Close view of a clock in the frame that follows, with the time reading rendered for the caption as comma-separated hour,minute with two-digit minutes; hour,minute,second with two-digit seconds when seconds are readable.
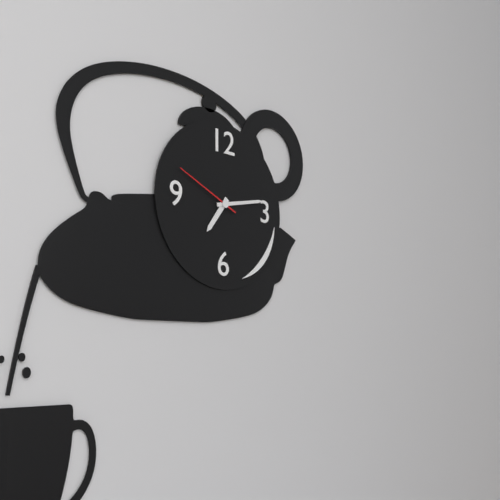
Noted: 7,13,49
